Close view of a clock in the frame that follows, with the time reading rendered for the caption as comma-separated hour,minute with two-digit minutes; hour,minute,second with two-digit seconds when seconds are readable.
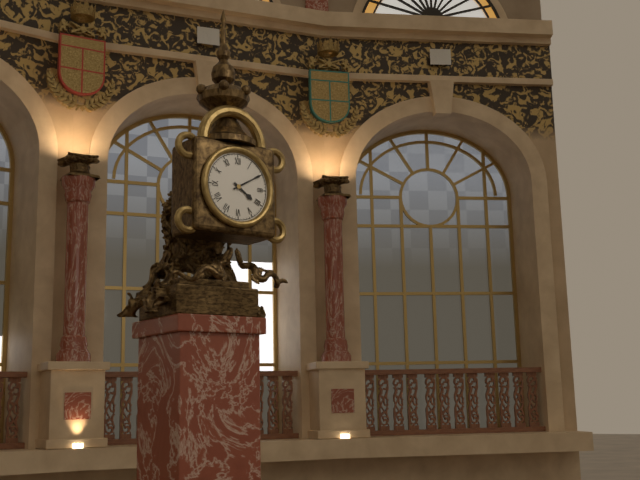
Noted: 4,10
